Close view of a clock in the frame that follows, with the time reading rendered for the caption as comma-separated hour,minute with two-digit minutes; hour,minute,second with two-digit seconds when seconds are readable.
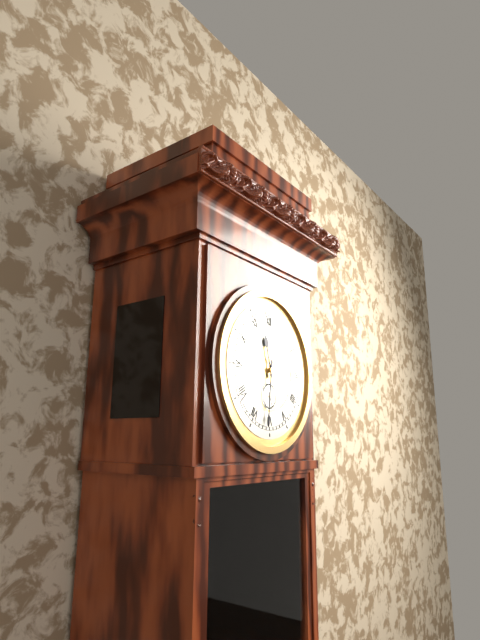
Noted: 11,31
